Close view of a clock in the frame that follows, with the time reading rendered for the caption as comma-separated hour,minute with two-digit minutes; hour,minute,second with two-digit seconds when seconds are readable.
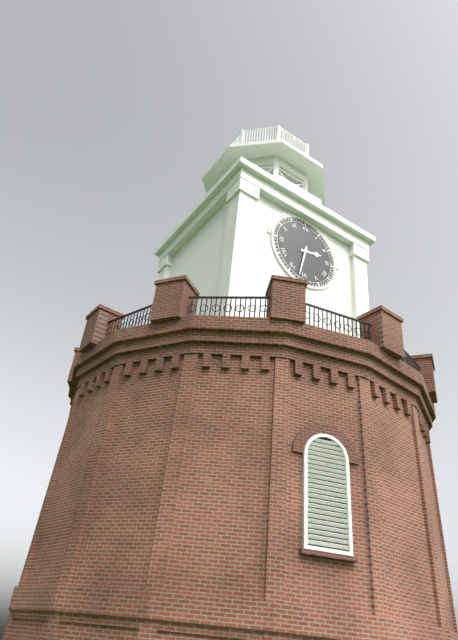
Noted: 2,32
